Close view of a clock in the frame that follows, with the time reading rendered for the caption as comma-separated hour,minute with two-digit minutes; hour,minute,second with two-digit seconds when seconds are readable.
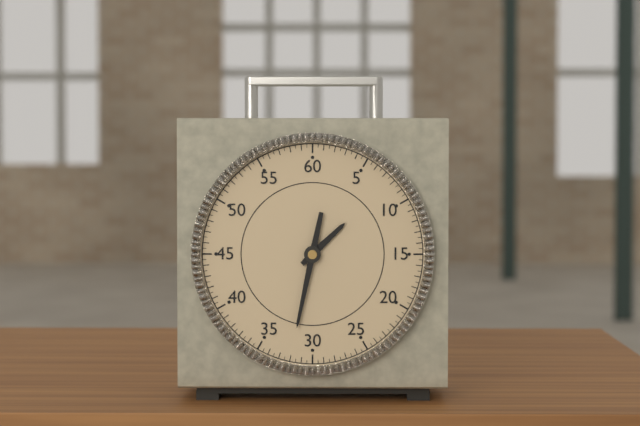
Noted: 1,32
